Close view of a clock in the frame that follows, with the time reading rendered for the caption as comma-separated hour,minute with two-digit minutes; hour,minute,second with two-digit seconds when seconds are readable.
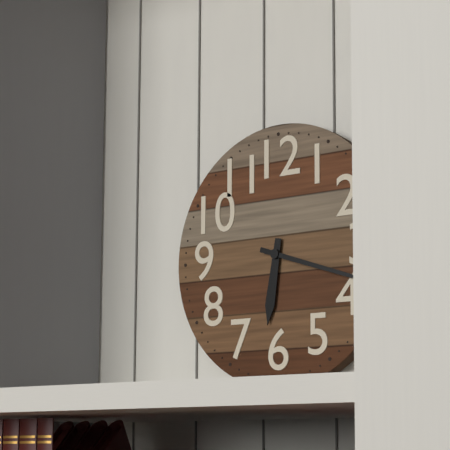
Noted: 6,18
